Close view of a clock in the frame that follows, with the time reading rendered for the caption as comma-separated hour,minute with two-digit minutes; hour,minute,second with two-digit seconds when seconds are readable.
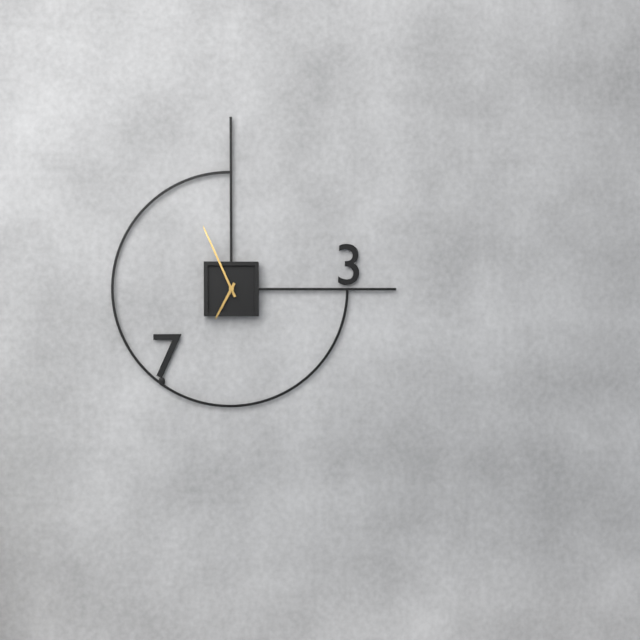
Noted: 6,56
